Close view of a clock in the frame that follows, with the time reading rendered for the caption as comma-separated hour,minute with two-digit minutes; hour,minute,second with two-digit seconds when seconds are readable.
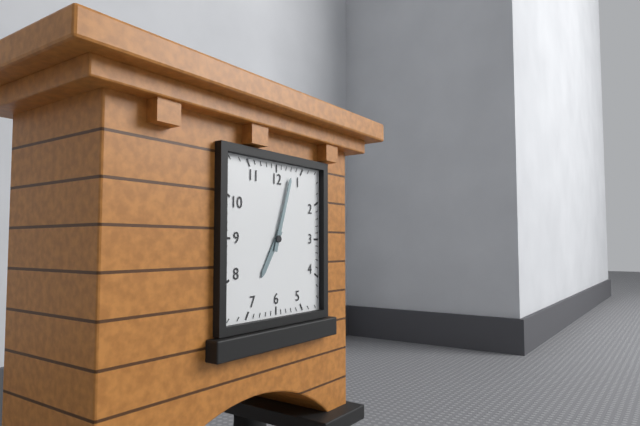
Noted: 7,03
